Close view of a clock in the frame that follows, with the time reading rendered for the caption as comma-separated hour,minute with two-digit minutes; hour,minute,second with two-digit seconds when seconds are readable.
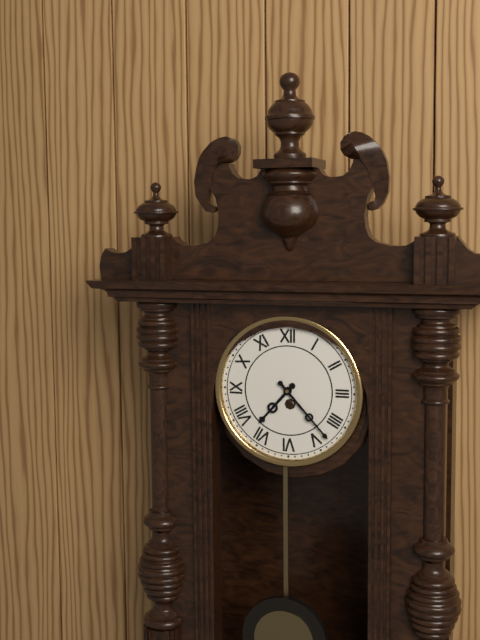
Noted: 7,23
